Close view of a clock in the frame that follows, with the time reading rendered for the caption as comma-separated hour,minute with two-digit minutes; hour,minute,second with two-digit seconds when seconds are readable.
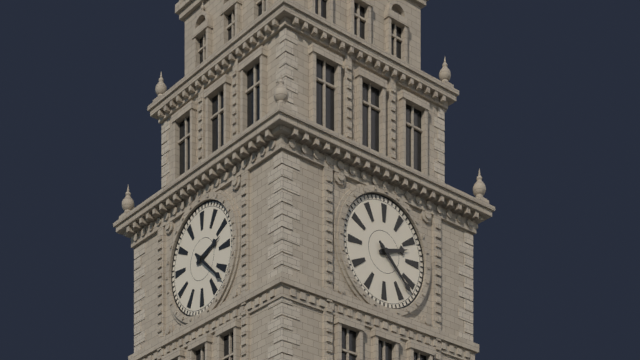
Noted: 2,22
